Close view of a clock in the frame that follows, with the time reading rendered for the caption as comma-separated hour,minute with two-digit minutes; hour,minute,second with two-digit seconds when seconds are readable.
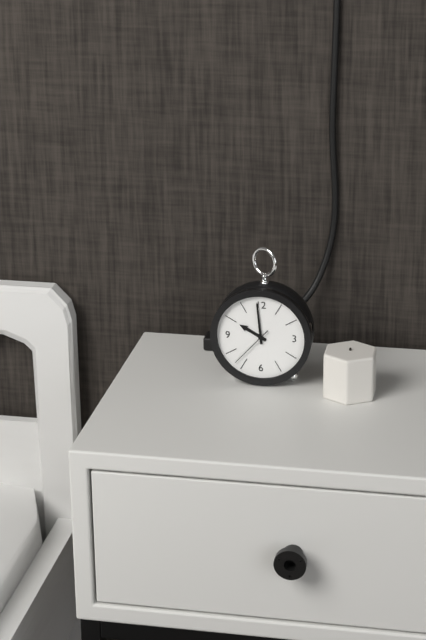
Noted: 9,59
